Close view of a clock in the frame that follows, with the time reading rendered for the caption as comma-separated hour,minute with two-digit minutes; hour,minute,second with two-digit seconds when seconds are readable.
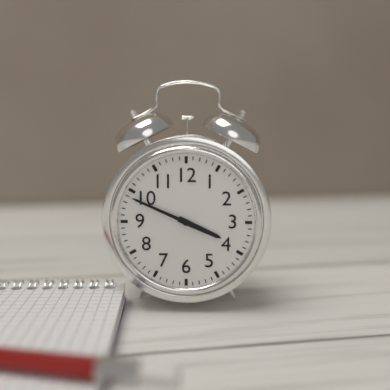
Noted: 3,49
